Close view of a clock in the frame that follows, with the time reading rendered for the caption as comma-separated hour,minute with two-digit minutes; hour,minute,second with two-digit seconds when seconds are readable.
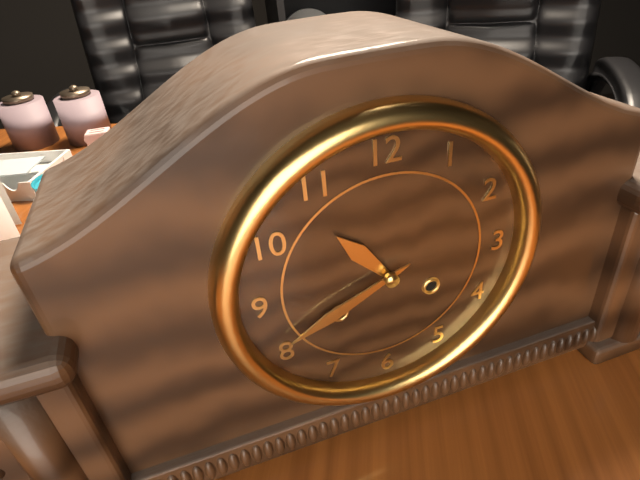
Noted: 10,41
